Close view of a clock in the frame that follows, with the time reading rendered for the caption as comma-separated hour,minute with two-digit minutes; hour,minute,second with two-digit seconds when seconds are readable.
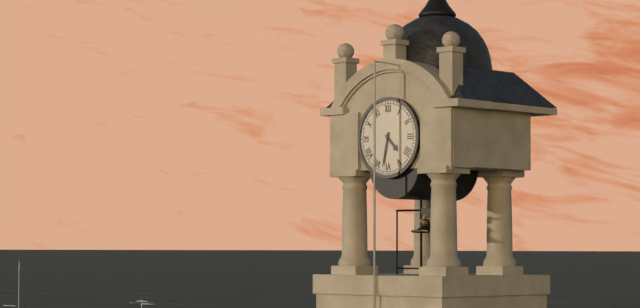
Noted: 4,32
